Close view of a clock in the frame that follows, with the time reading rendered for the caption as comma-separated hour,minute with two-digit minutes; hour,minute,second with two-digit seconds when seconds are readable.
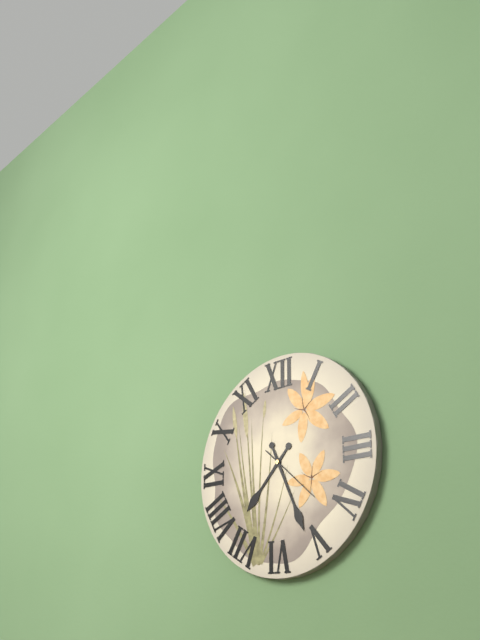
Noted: 7,26,22
